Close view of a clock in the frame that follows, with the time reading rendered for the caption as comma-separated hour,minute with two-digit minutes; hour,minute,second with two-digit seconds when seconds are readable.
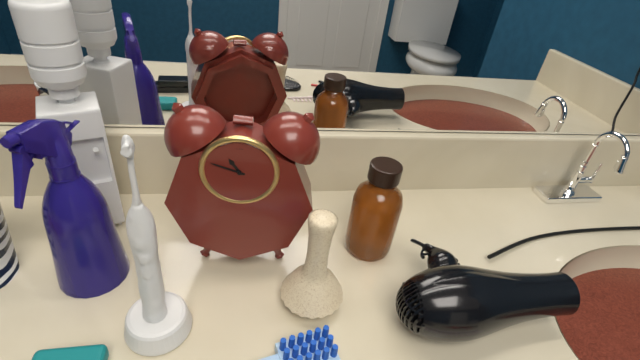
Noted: 10,48
